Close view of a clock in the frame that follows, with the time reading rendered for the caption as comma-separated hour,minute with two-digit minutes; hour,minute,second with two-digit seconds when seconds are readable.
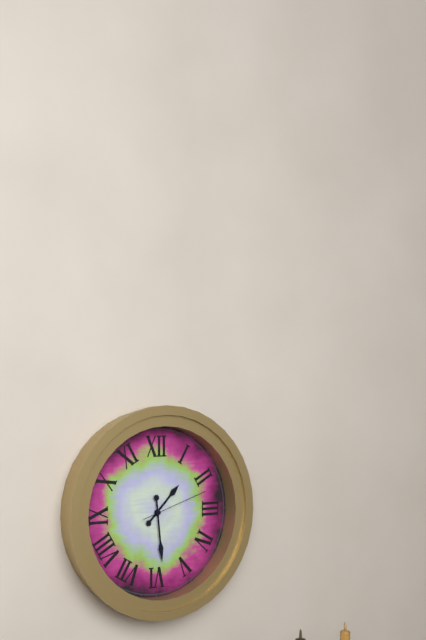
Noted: 1,29,12
